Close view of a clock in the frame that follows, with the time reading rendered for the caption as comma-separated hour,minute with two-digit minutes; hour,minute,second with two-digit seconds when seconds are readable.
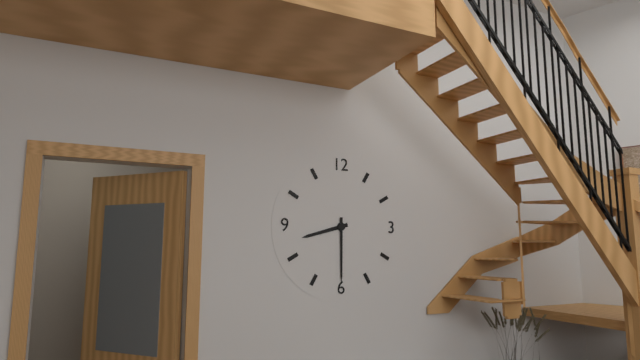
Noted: 8,30
